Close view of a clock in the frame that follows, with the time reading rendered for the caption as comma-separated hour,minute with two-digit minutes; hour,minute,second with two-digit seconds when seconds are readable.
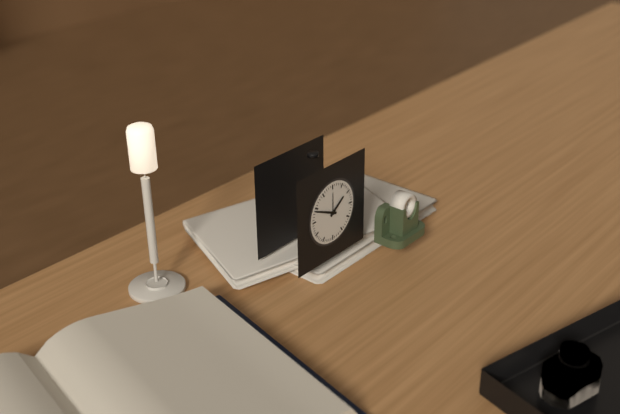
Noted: 1,49
